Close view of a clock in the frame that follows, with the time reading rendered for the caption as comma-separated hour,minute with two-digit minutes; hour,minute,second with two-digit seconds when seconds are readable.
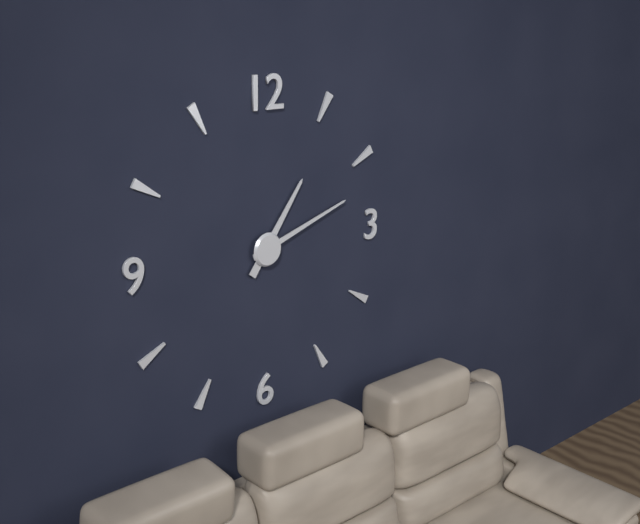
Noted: 1,12
